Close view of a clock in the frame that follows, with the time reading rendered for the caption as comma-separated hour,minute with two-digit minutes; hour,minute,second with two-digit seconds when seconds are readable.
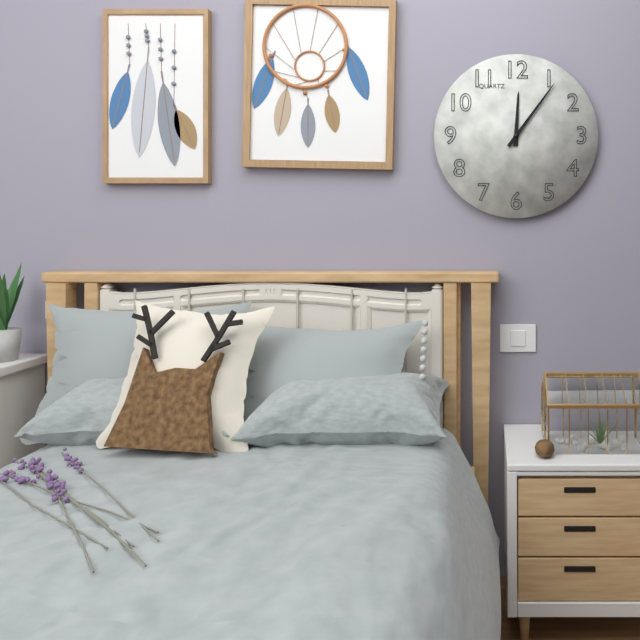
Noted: 12,06
